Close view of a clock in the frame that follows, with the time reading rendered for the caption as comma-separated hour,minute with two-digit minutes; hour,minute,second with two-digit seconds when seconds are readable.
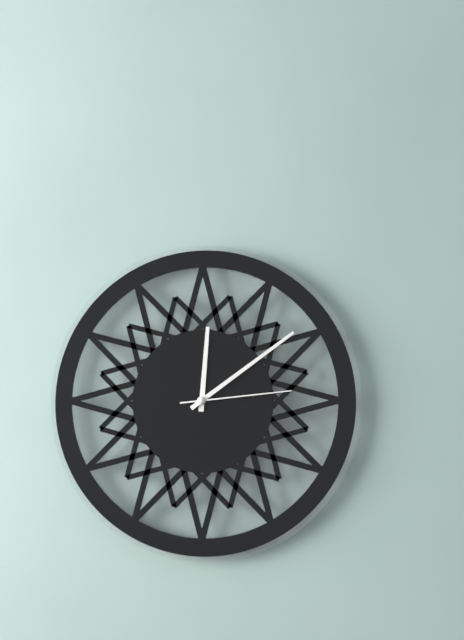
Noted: 12,09,14
